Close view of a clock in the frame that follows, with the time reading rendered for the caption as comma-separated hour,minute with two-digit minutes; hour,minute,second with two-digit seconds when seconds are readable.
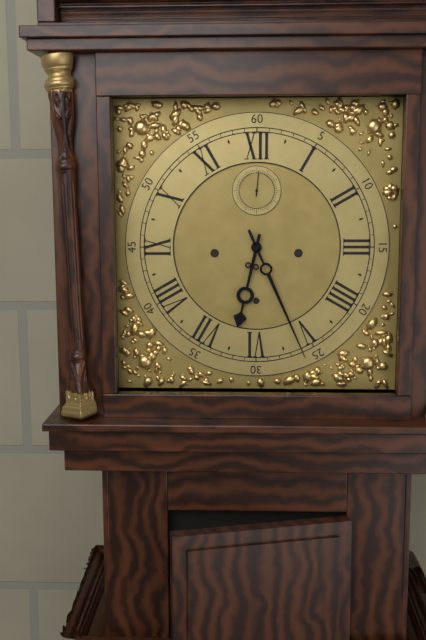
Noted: 6,26
